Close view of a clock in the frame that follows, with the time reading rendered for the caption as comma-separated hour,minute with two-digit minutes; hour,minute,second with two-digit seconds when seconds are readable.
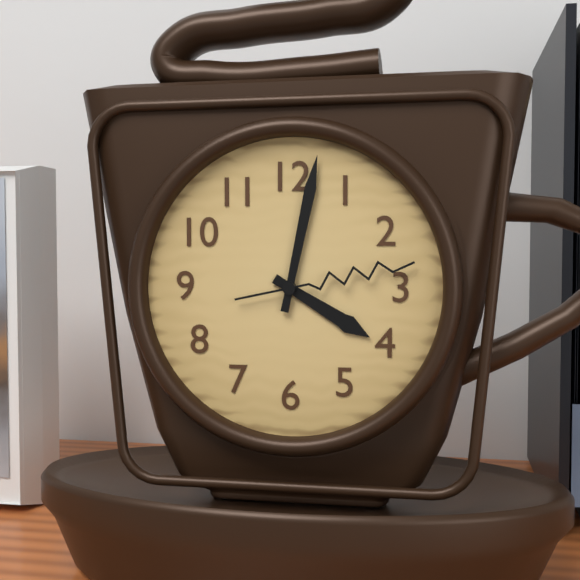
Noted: 4,02,13
